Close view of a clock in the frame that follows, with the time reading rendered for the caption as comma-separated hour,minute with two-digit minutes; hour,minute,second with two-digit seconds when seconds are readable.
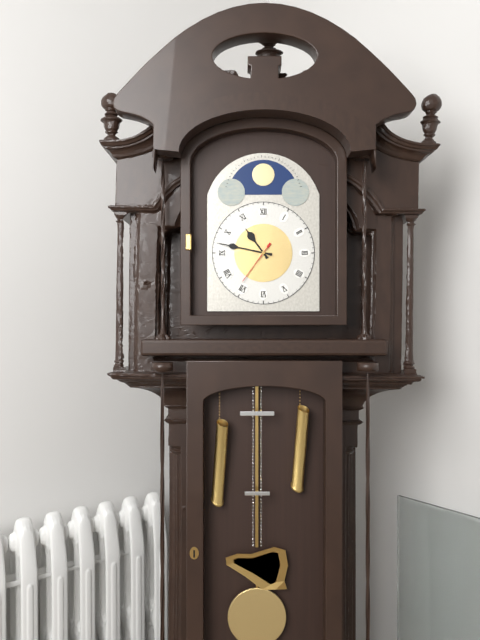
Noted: 10,47
